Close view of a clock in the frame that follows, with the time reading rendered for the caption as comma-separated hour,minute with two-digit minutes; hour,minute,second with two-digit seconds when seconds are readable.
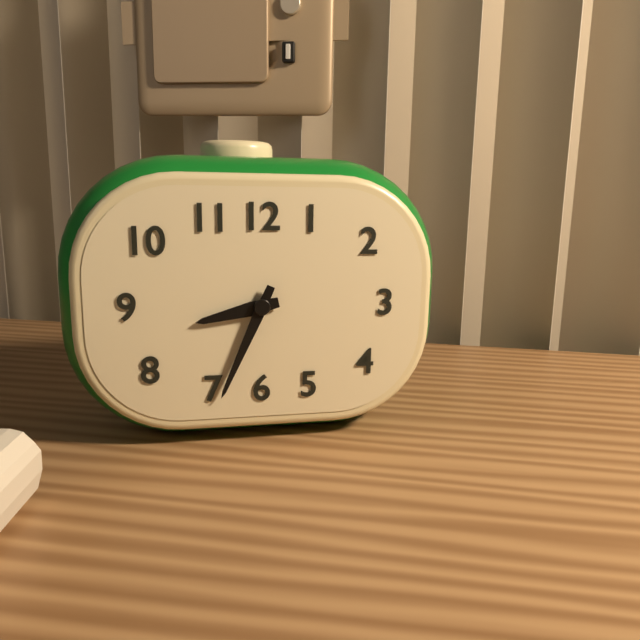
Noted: 8,34
